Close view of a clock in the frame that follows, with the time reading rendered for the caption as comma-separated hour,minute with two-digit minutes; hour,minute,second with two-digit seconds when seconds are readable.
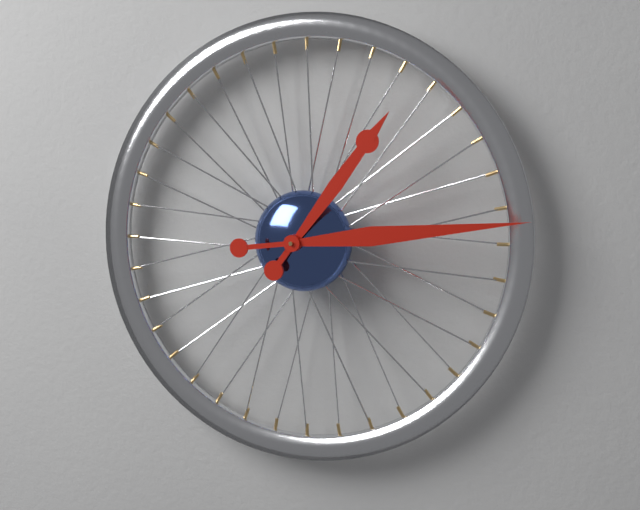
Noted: 1,14
